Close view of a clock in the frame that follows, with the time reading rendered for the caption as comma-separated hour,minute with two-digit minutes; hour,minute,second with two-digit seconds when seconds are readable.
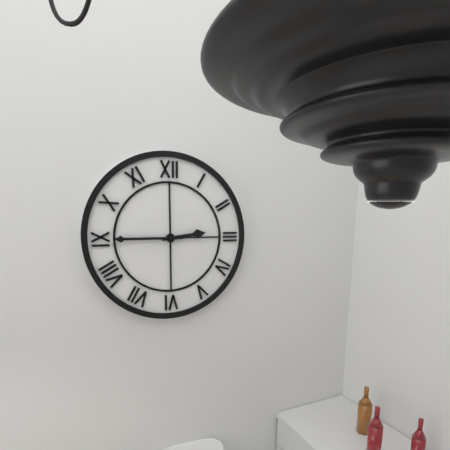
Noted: 2,45
